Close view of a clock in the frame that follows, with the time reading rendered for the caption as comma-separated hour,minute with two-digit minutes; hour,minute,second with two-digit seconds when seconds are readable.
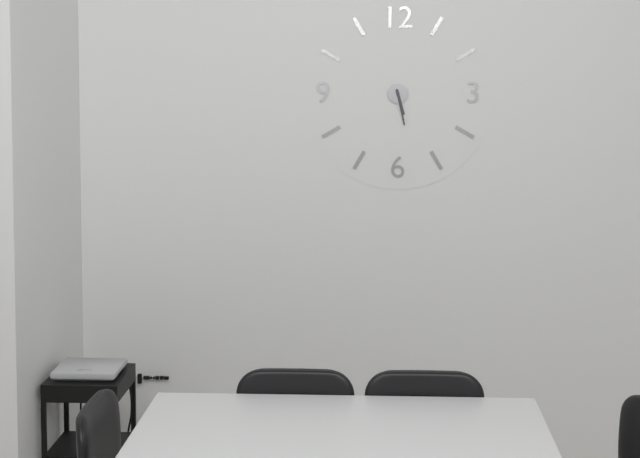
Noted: 5,28
